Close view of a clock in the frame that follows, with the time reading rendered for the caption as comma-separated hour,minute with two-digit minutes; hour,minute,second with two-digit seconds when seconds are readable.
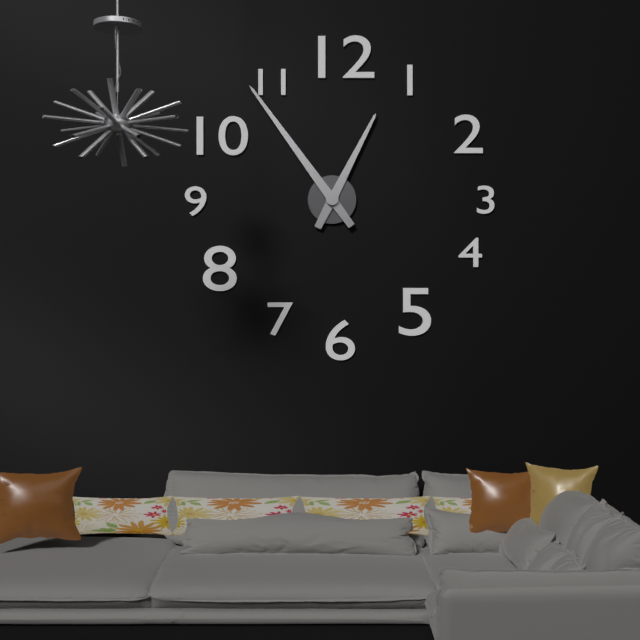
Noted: 12,54
